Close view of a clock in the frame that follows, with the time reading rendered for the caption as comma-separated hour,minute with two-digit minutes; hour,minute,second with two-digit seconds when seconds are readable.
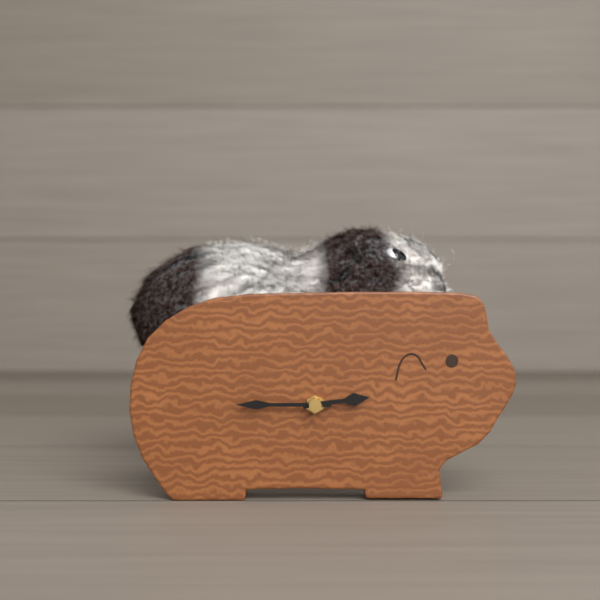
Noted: 2,45
